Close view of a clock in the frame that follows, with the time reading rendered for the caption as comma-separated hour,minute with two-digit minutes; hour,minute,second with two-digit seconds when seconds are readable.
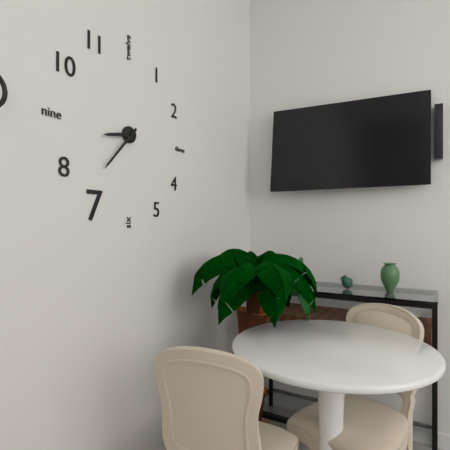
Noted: 8,37
